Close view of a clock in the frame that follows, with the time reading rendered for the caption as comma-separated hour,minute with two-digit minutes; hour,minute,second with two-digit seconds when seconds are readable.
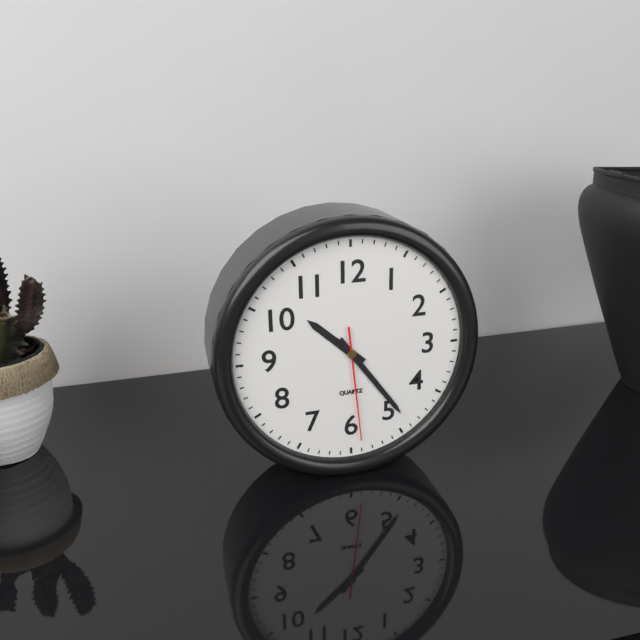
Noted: 10,24,29
